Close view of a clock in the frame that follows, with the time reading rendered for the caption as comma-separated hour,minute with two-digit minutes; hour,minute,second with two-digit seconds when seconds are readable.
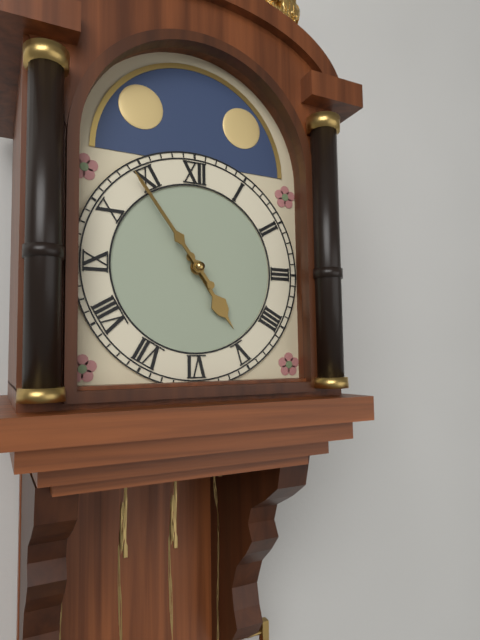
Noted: 4,54
